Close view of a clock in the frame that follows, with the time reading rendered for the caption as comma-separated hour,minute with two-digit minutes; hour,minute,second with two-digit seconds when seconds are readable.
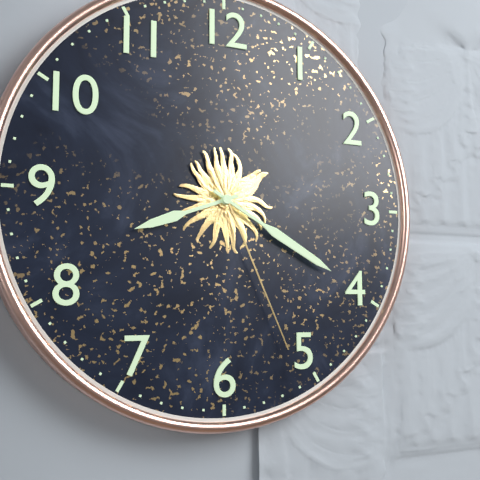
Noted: 8,20,26
